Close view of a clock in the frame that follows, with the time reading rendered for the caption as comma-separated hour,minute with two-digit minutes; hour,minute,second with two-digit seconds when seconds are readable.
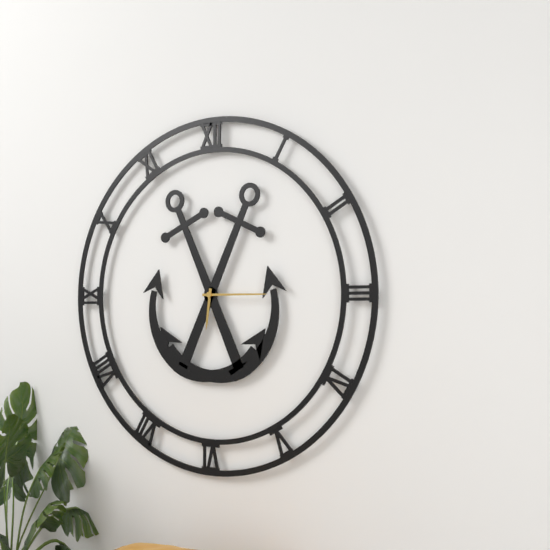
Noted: 6,15
